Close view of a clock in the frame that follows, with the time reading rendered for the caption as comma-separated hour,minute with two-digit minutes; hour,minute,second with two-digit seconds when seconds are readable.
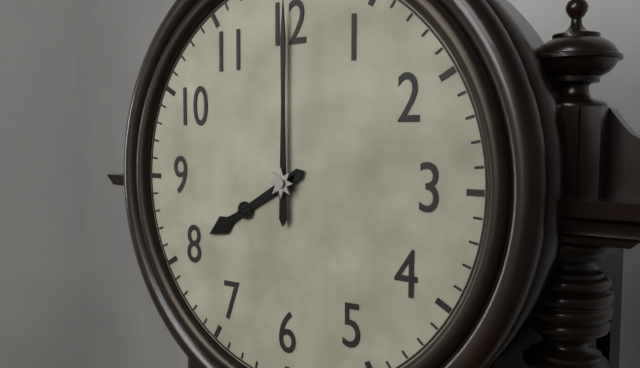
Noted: 8,00
